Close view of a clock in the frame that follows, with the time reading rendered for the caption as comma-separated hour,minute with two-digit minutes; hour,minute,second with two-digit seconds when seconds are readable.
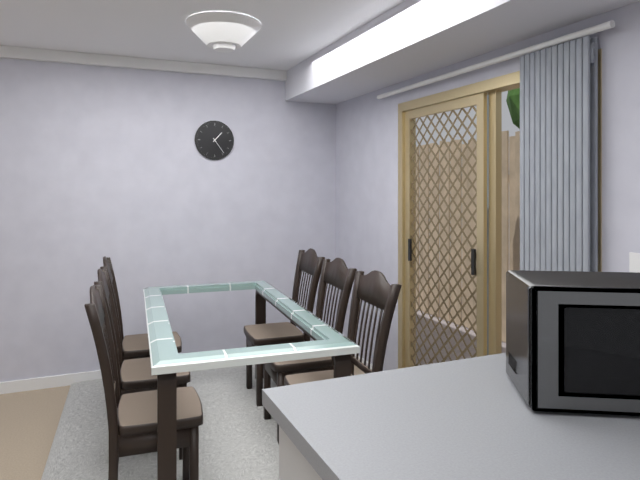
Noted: 1,24
